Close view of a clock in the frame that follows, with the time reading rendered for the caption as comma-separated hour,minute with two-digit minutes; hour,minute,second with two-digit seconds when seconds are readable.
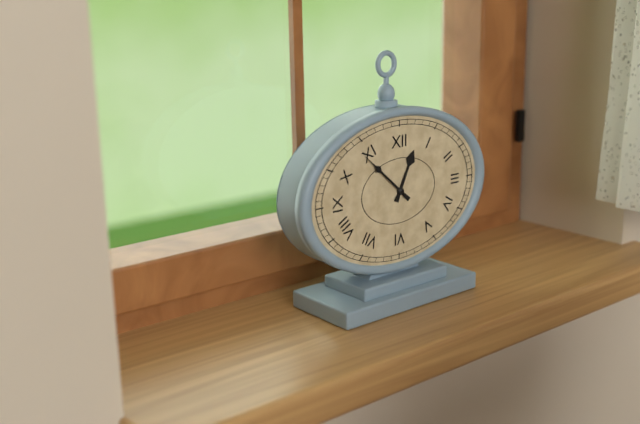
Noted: 12,52
